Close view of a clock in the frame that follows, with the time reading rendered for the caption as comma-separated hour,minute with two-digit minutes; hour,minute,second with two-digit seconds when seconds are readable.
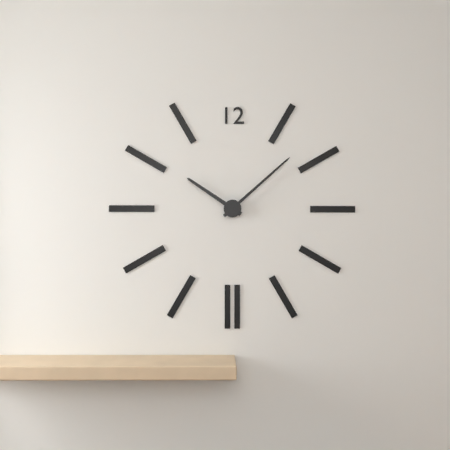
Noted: 10,08
